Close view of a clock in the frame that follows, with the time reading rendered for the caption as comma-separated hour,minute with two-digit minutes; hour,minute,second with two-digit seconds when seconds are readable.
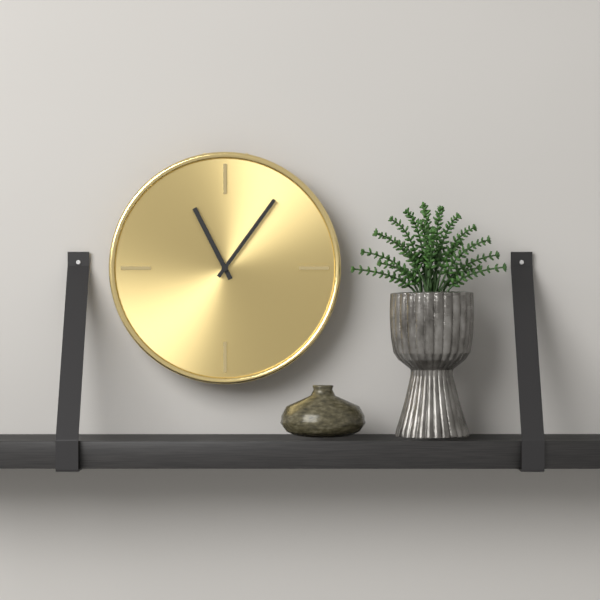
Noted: 11,06
